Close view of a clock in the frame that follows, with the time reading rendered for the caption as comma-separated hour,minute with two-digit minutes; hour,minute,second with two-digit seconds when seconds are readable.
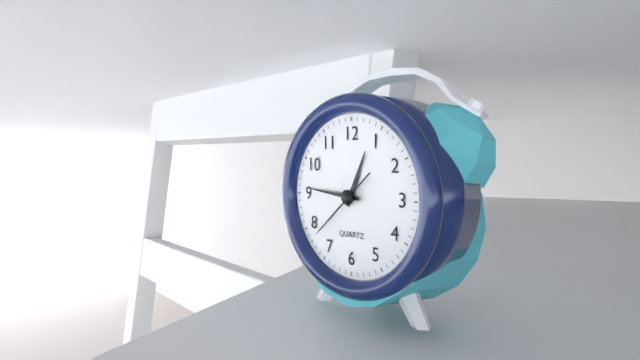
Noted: 12,46,38
